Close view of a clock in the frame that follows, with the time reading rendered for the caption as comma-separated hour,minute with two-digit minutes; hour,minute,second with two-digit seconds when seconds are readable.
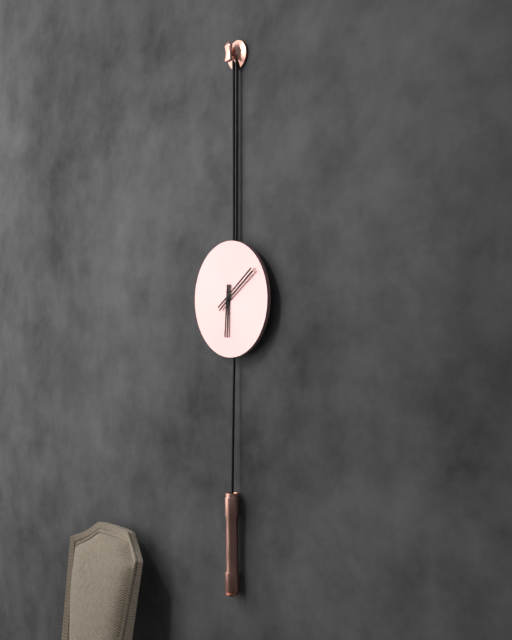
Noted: 6,09
